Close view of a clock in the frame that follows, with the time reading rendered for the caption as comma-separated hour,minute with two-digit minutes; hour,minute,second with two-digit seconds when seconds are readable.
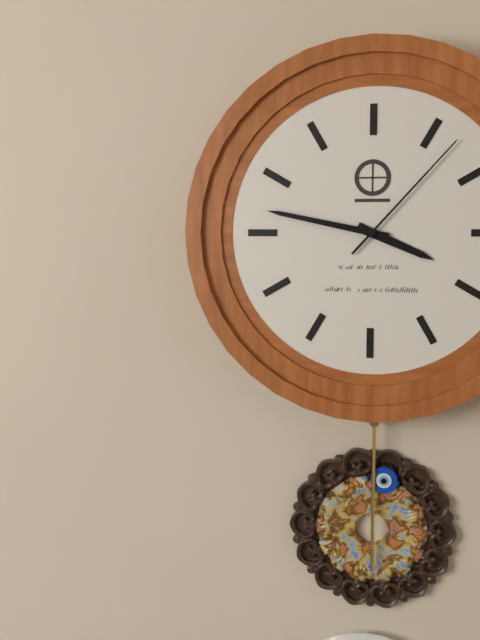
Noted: 3,47,07
